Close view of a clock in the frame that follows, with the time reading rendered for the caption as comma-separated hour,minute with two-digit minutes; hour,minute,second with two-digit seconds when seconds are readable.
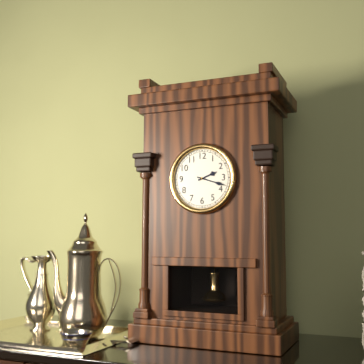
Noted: 2,18
